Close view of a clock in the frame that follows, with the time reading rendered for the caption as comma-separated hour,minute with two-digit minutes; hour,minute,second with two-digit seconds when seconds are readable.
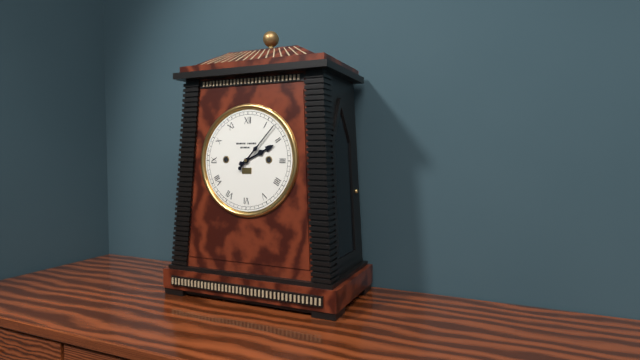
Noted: 2,07
